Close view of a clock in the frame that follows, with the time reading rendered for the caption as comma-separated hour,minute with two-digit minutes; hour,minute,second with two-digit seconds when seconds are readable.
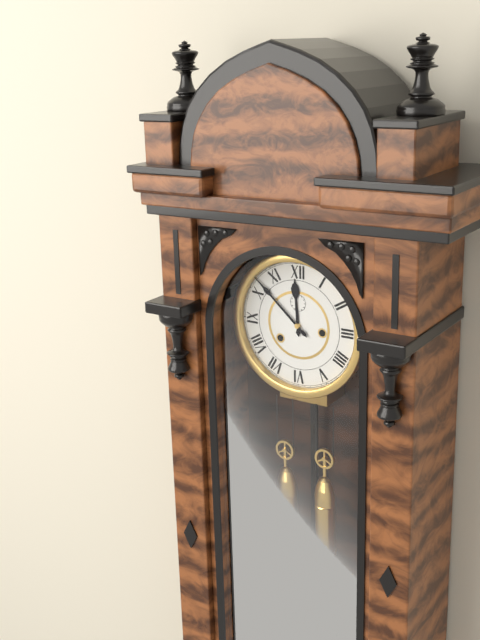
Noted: 11,52
